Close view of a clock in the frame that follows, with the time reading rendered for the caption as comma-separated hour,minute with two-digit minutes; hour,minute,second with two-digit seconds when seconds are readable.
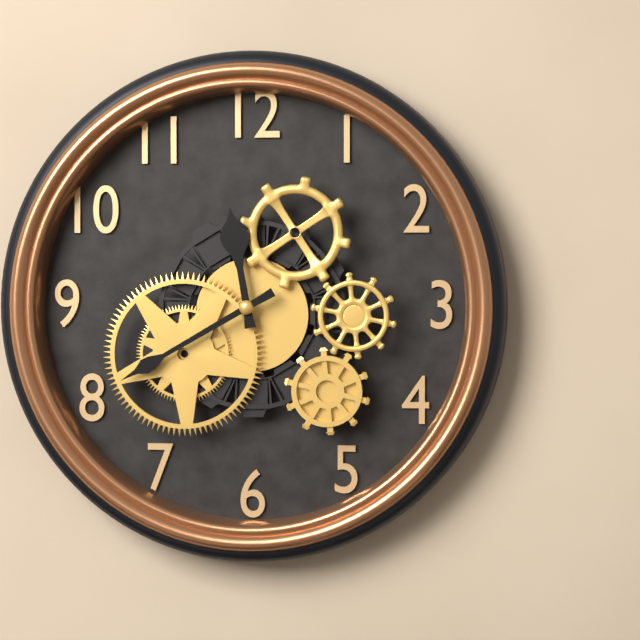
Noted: 11,40
